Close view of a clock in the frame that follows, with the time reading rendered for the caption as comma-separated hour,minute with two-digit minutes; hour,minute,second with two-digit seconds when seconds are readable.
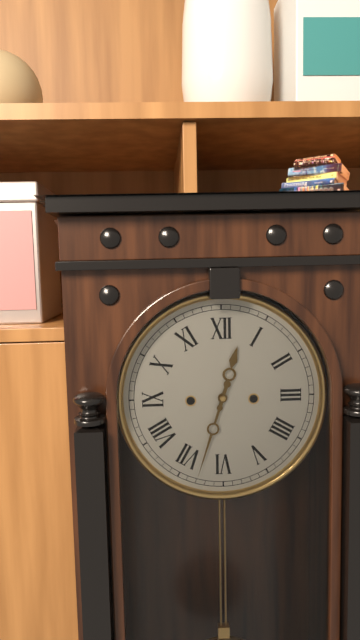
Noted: 12,33
